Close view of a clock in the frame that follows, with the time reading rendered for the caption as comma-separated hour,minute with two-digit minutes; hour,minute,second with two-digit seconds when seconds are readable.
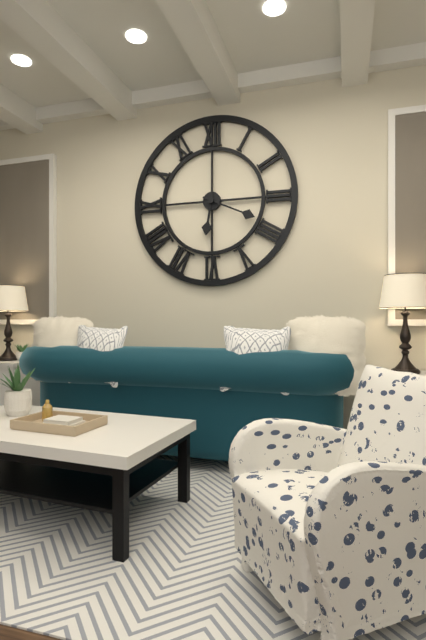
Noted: 6,19
